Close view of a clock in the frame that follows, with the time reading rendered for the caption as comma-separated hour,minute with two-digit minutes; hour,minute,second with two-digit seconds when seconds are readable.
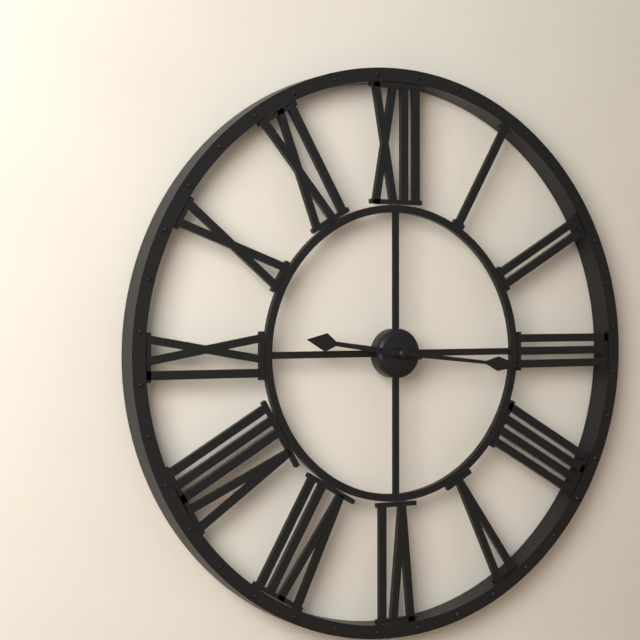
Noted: 9,16
